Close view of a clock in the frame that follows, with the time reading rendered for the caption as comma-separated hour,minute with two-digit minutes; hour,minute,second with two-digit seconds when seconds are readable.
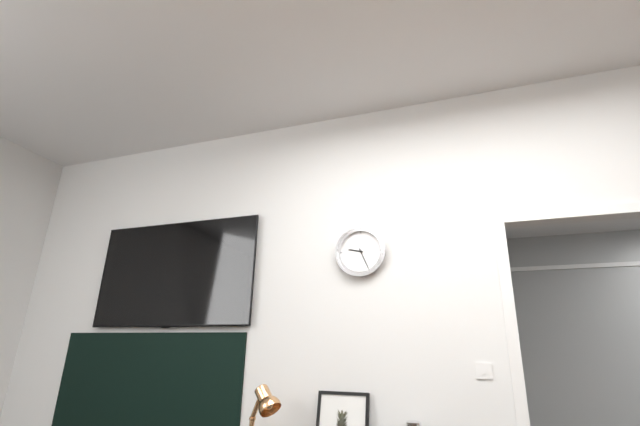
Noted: 9,26
